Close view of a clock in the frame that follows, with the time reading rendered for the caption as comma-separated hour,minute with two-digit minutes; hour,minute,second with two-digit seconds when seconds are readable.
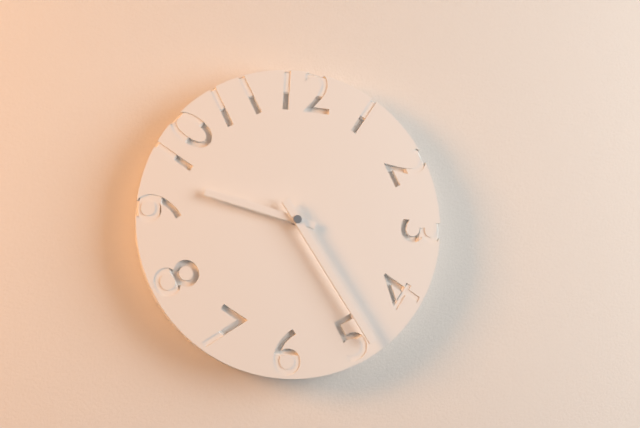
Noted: 9,24
